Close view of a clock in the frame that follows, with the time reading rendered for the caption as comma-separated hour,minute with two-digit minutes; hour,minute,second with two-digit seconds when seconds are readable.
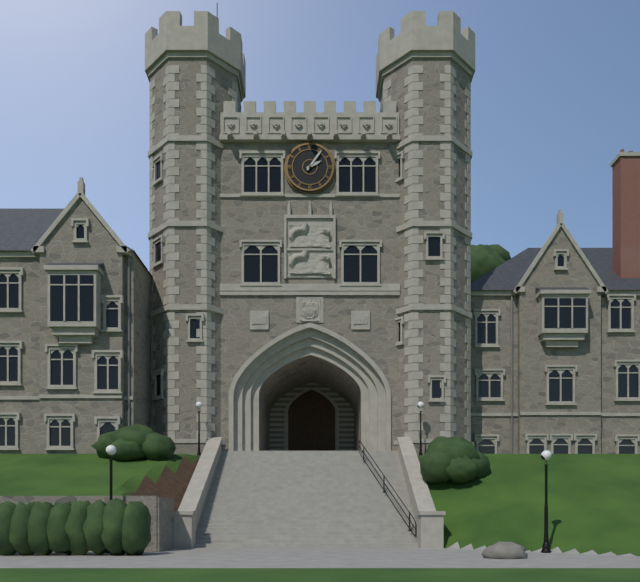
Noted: 2,06
